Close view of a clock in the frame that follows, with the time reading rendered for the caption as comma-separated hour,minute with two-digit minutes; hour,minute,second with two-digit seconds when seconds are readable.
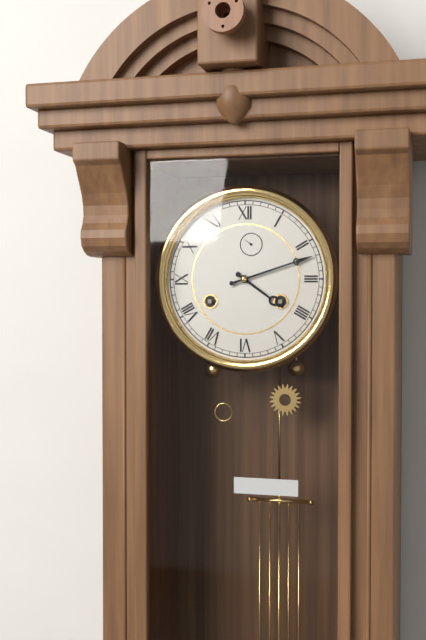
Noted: 4,12
